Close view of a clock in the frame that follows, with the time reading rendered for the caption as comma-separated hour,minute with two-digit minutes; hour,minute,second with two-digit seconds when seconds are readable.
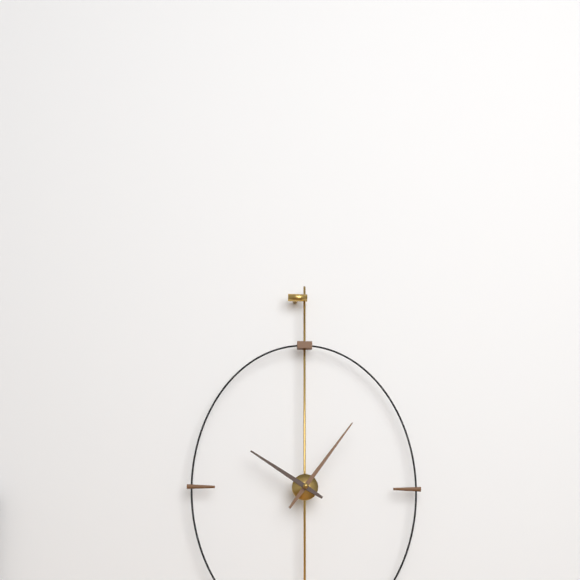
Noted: 10,06
